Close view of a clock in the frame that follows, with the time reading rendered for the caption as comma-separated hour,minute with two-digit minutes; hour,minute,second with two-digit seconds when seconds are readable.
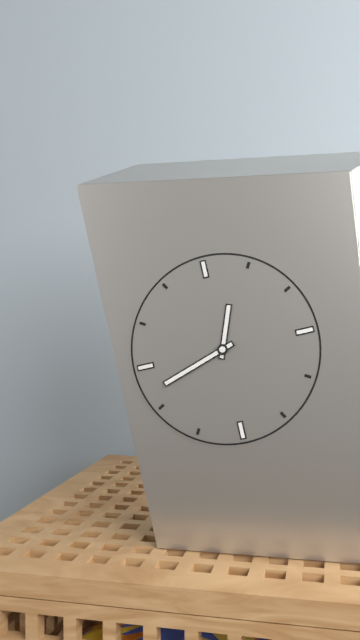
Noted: 12,42
